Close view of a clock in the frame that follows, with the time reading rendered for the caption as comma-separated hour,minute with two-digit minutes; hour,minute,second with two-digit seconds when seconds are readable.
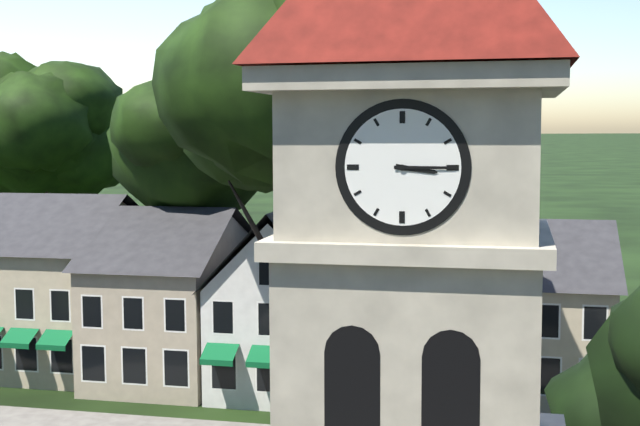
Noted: 3,15
